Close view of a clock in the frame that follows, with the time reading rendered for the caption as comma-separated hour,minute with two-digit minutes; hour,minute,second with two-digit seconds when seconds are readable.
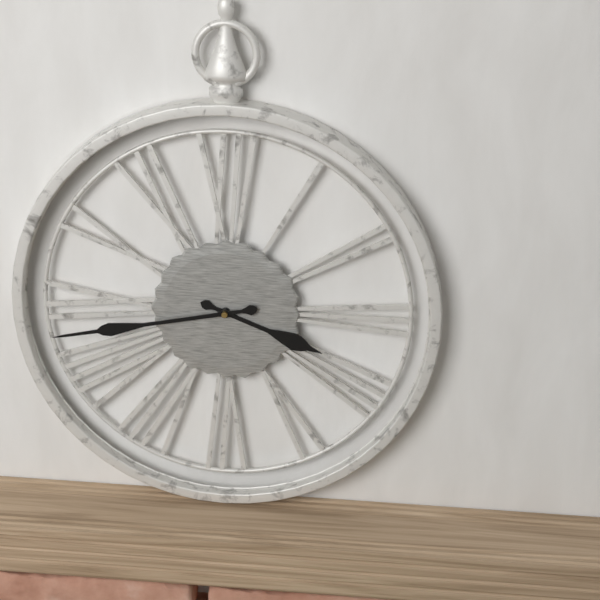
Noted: 3,43
